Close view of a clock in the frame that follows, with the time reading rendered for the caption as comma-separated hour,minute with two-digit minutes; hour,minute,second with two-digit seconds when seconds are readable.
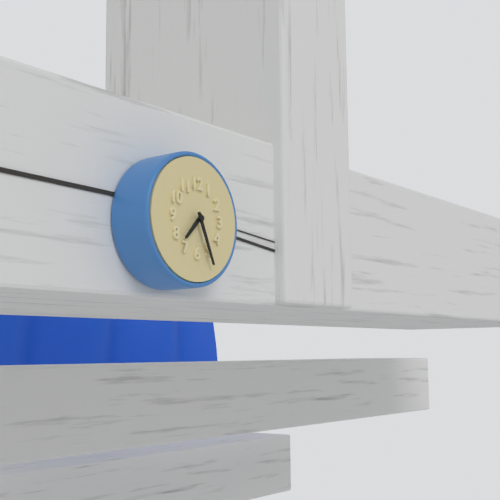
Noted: 7,26
